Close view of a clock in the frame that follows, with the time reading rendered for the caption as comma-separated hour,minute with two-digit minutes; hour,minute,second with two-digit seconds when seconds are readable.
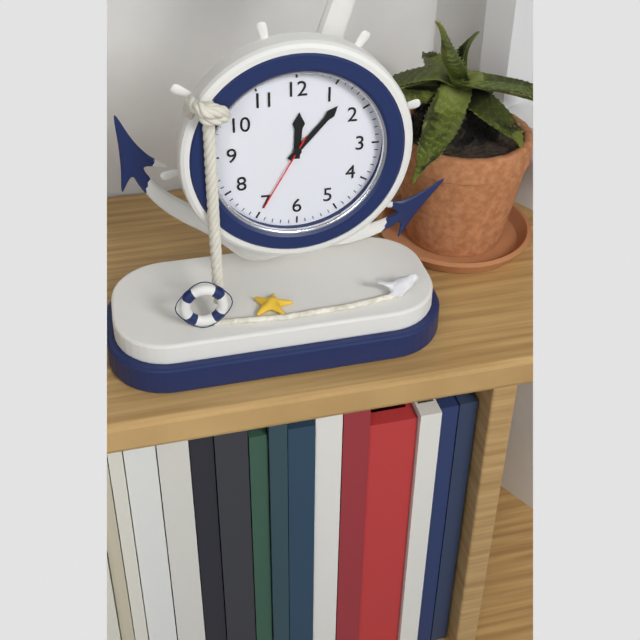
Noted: 12,07,35
